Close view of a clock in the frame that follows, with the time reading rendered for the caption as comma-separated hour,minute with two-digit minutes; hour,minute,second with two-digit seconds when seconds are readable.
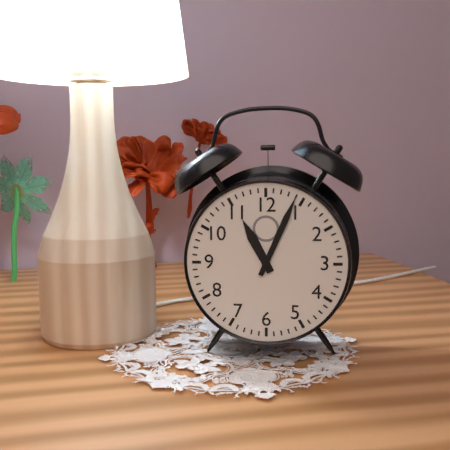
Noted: 11,04
